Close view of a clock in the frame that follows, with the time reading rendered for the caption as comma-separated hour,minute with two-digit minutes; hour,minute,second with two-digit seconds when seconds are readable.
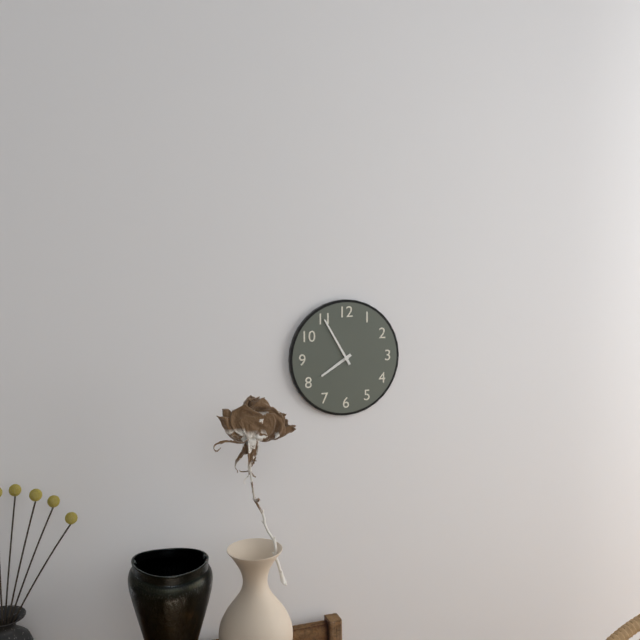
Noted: 7,55
